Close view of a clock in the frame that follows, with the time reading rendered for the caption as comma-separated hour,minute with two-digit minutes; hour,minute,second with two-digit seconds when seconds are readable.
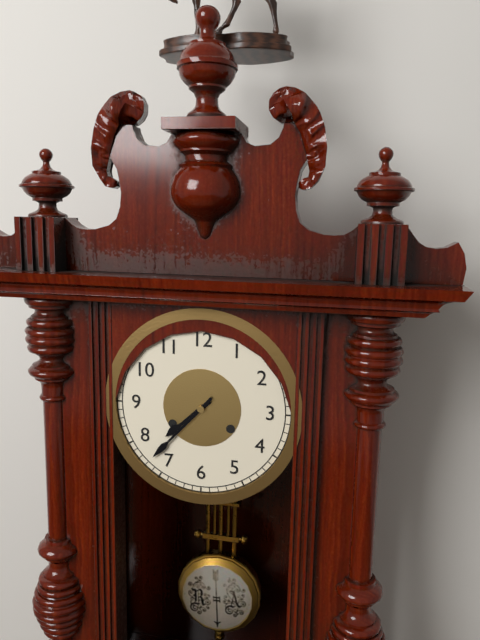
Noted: 7,37
